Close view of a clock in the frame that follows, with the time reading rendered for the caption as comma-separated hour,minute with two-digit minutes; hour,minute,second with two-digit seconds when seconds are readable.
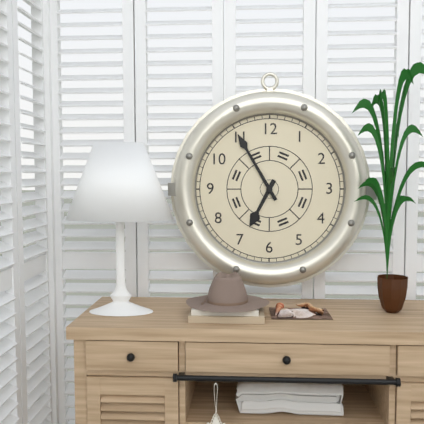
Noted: 6,55
